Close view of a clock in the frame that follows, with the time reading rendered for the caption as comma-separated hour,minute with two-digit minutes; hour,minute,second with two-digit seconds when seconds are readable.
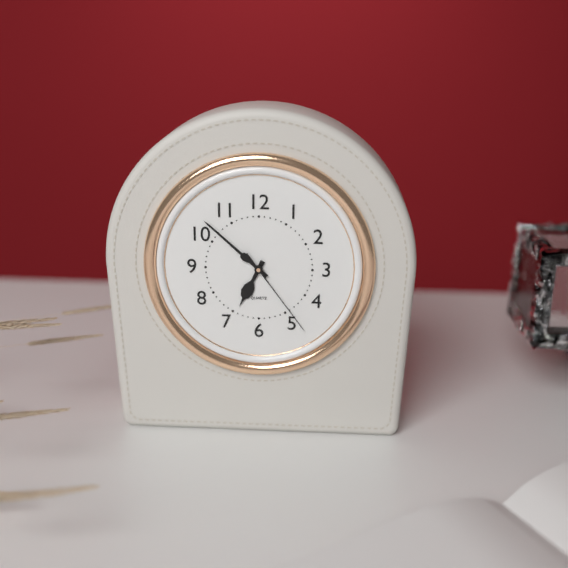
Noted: 6,52,24
